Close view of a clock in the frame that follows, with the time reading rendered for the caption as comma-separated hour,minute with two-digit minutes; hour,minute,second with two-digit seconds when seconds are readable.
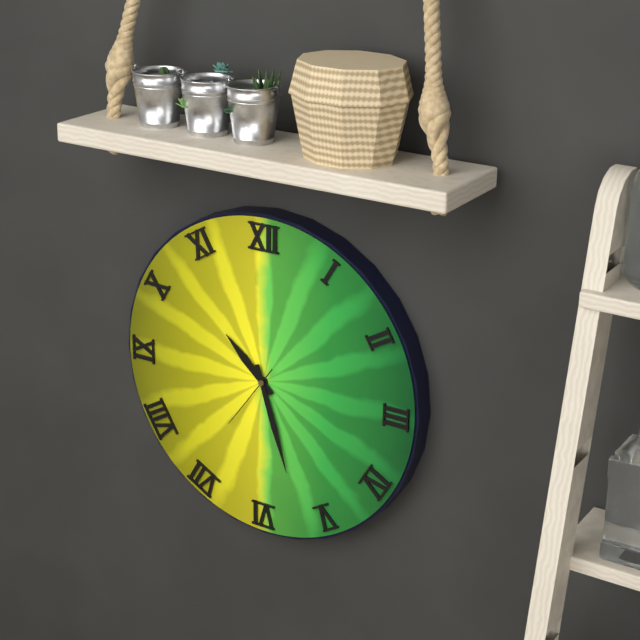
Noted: 10,27,36
